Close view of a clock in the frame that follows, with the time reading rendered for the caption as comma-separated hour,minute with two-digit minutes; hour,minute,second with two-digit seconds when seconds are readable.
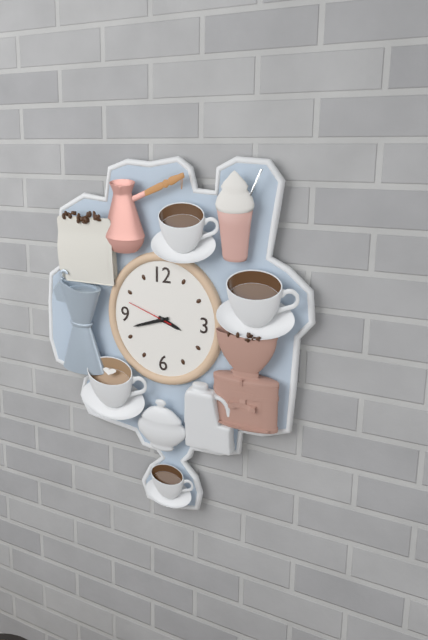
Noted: 3,42
